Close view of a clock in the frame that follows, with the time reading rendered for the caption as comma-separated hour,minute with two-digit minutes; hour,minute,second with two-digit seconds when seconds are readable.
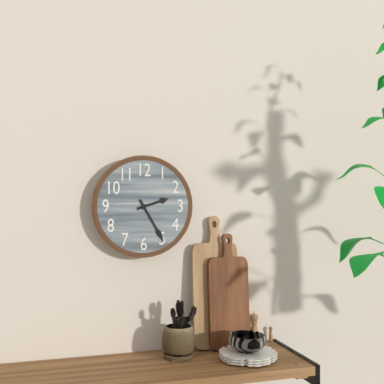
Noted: 2,25
